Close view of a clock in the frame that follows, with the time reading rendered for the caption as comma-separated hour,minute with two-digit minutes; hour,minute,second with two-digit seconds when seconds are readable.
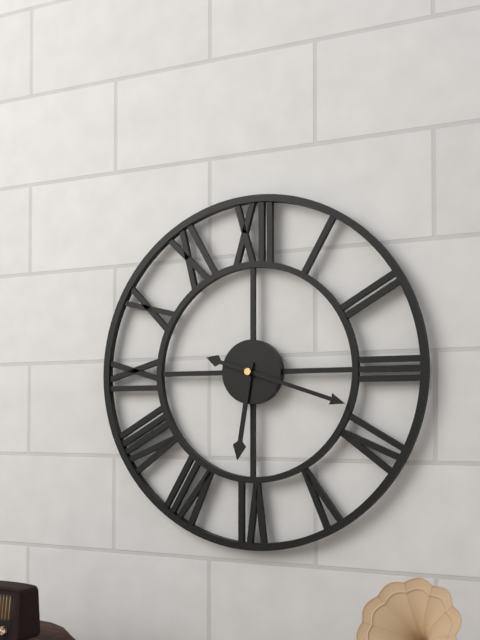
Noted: 6,18
